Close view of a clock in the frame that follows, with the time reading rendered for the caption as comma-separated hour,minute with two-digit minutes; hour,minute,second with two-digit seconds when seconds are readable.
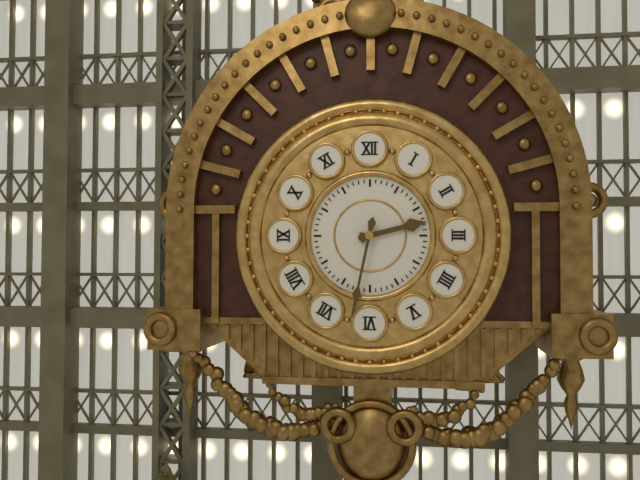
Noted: 2,32
